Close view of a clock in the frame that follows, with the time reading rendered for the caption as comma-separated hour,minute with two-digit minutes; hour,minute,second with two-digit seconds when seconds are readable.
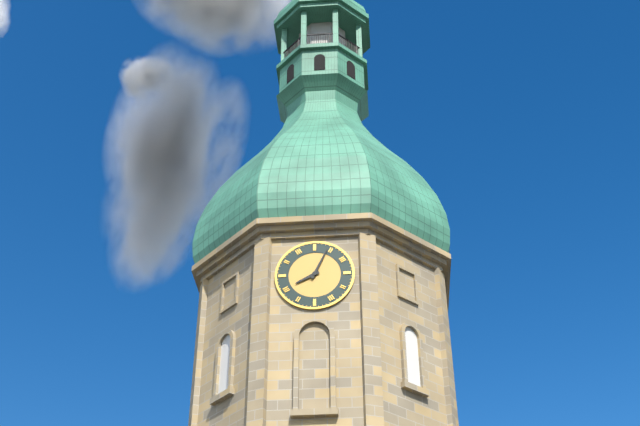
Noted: 8,04
